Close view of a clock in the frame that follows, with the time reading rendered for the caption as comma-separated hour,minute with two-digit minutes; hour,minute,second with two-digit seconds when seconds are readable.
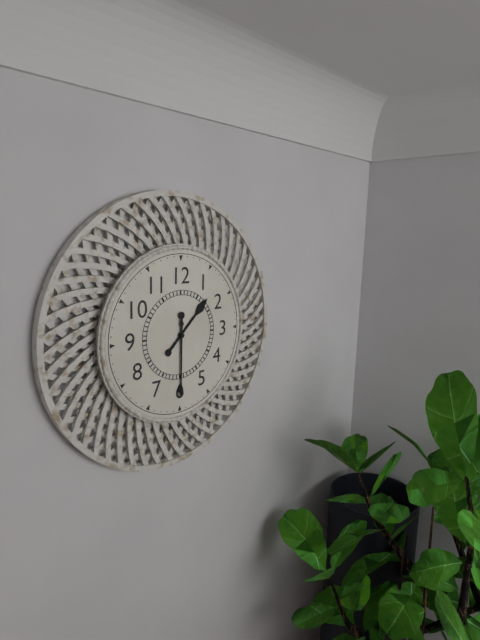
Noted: 1,30
